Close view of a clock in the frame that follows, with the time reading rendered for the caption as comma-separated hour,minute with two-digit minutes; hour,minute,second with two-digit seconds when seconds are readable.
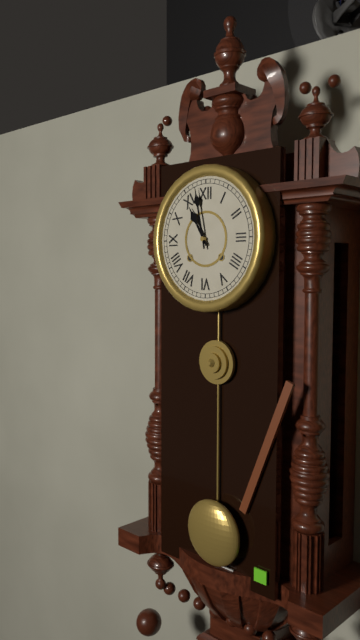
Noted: 10,58
